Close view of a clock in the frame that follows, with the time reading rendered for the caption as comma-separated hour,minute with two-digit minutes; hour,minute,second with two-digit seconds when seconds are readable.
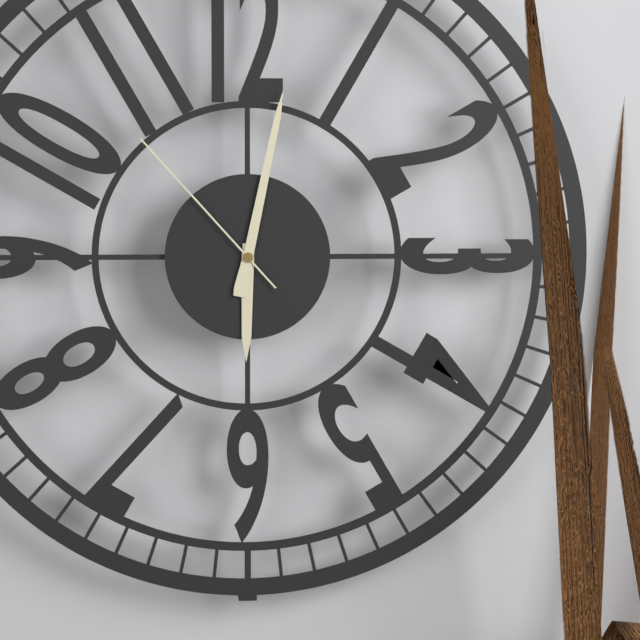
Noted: 6,02,53
